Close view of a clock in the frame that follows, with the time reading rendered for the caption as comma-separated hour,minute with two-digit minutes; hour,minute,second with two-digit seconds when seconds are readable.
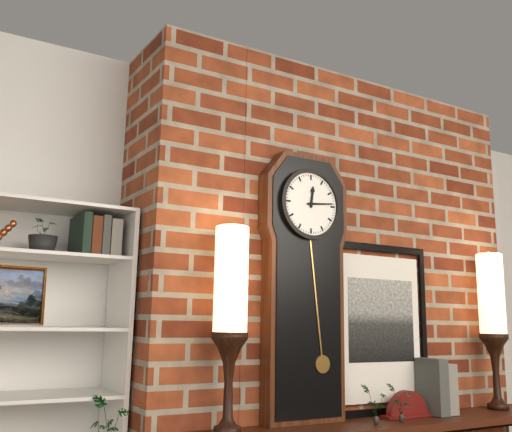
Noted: 12,14
